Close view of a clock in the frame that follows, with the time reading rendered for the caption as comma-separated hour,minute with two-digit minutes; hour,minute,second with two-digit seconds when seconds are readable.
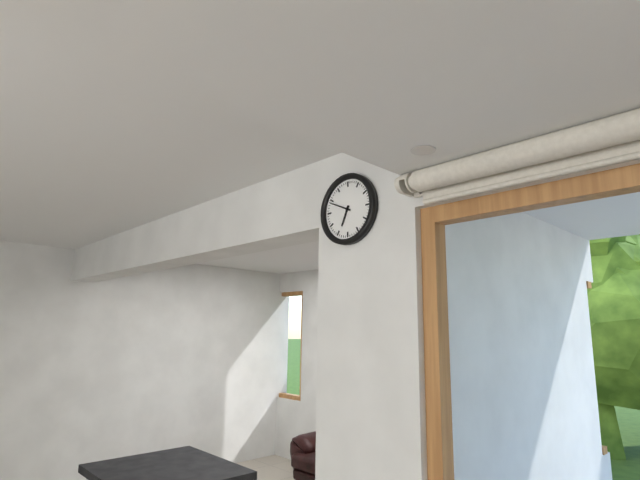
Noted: 6,49
